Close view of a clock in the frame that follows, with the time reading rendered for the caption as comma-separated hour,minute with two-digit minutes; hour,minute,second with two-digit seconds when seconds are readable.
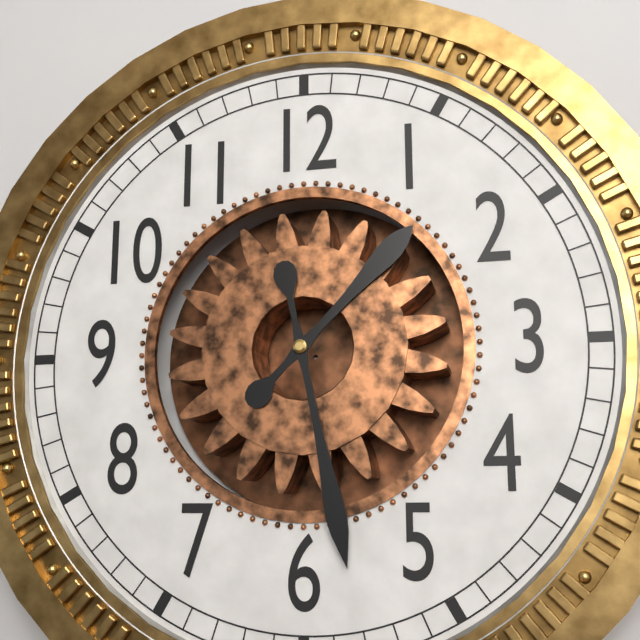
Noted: 1,28
